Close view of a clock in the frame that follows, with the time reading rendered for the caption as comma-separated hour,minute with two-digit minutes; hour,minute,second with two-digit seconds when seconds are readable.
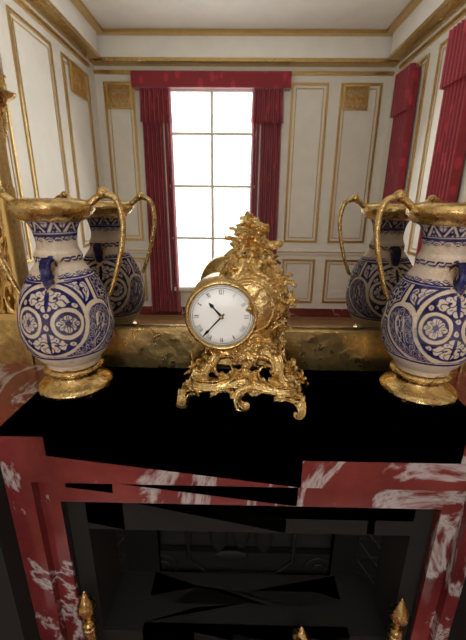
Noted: 10,37
